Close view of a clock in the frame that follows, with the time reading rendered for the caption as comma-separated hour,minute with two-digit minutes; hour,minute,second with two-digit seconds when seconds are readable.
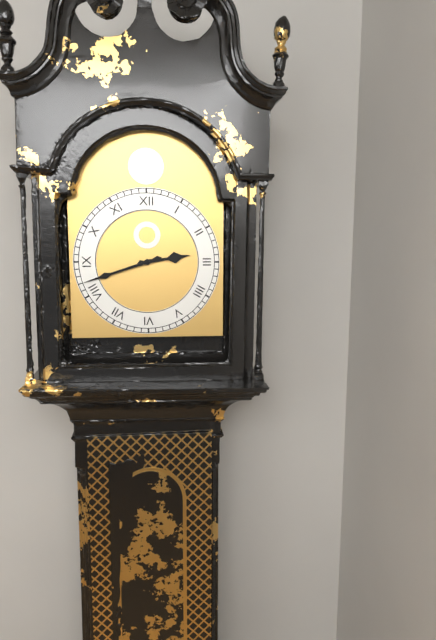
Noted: 2,42
